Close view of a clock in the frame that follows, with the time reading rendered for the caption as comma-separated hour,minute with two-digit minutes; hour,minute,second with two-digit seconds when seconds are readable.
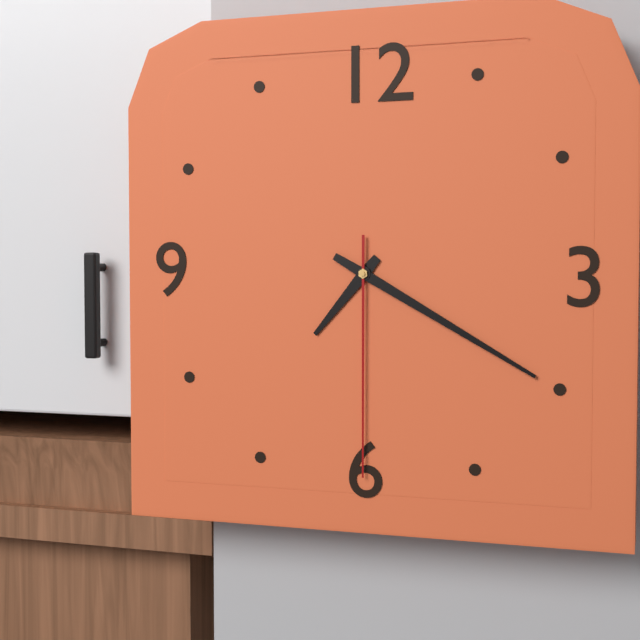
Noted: 7,20,30
